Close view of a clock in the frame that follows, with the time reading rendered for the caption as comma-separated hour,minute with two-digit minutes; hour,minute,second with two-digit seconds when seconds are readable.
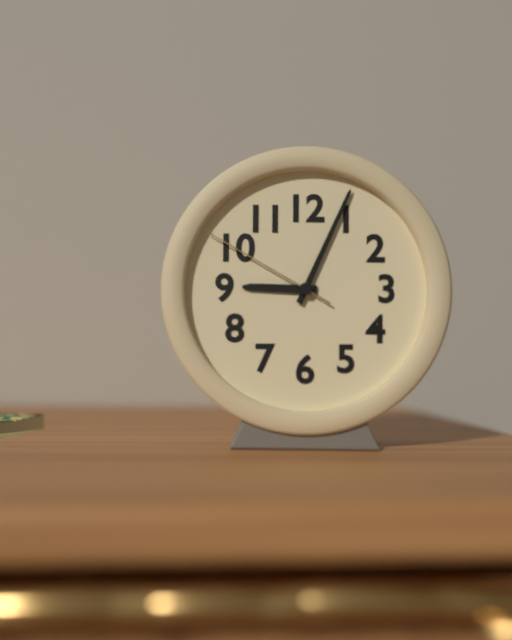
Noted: 9,04,50
